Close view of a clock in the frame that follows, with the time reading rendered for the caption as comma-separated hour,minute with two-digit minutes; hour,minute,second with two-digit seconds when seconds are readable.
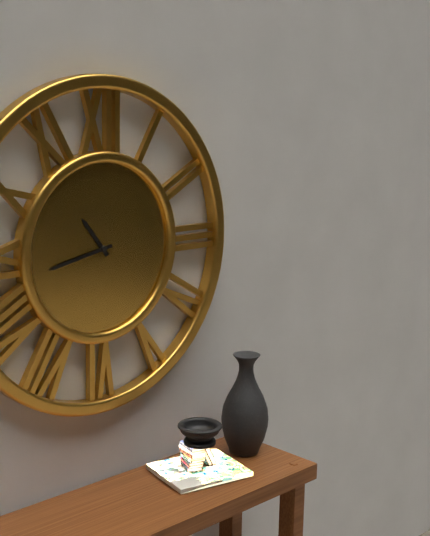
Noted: 10,43
